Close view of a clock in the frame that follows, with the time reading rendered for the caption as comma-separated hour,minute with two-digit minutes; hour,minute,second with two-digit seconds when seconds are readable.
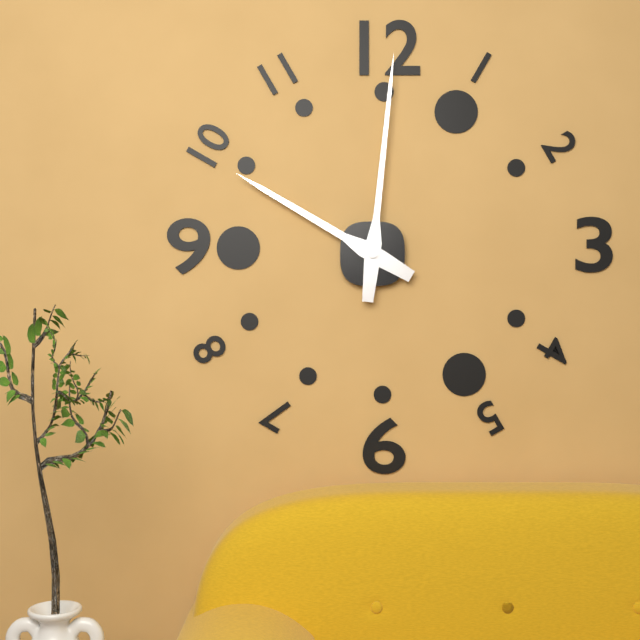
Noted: 10,01
